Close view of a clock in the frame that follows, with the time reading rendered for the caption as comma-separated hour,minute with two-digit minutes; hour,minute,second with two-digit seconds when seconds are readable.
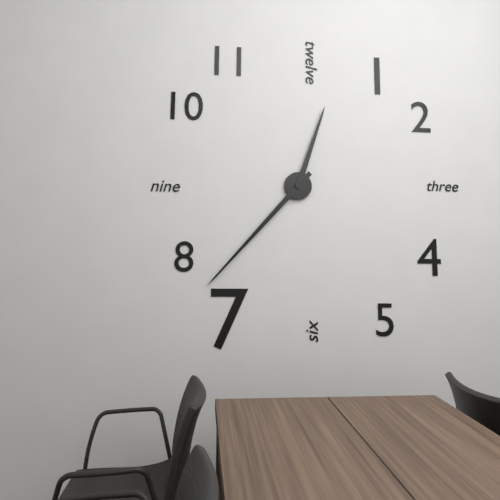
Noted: 12,37
